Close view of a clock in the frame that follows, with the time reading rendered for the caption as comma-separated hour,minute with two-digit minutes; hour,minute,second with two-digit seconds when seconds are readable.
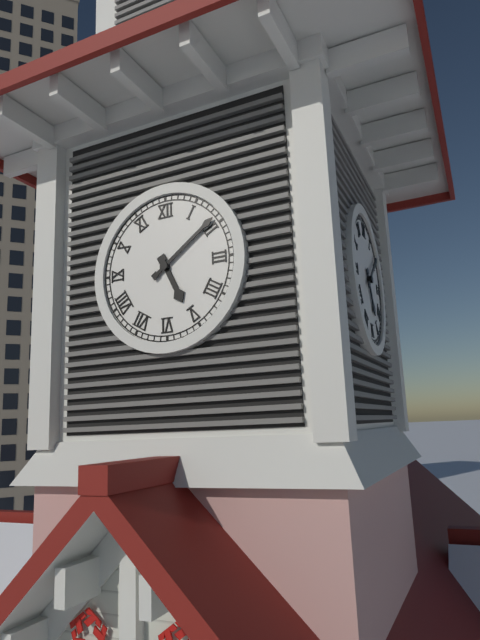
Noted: 5,09
